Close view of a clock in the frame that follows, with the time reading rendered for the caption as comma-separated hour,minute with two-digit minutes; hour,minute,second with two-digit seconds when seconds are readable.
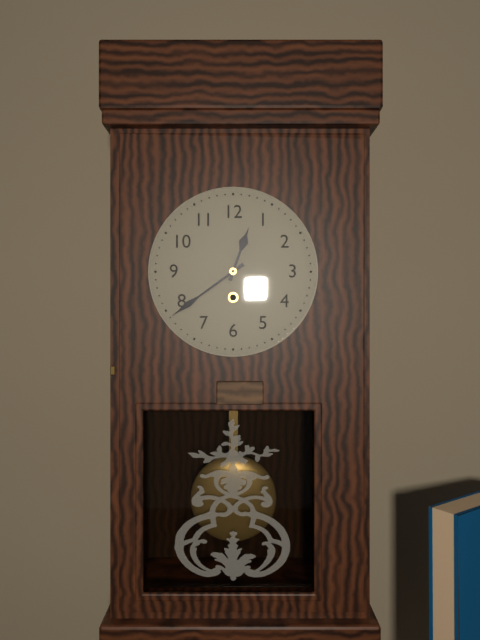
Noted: 12,39
